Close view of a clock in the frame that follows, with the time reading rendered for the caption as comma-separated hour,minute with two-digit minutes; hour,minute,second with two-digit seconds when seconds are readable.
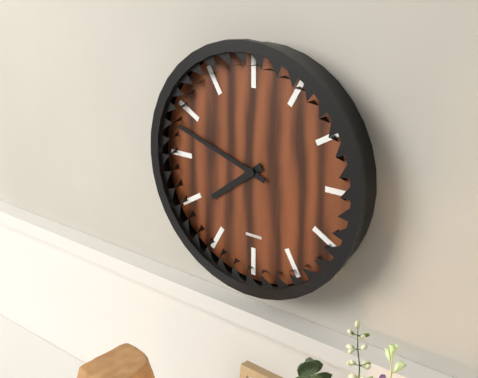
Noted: 7,48
